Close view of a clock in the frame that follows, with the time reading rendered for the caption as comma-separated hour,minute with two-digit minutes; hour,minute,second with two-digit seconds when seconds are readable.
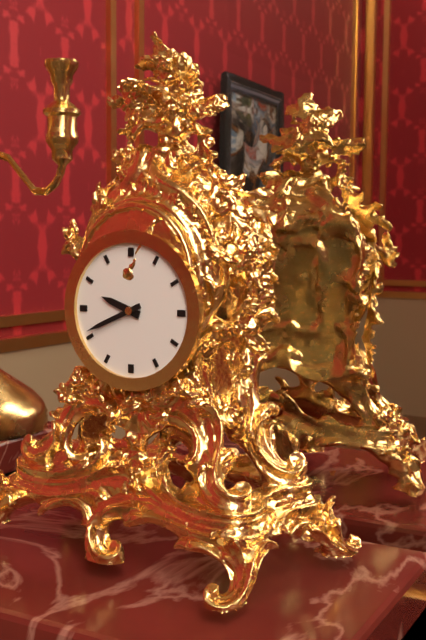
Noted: 9,41
